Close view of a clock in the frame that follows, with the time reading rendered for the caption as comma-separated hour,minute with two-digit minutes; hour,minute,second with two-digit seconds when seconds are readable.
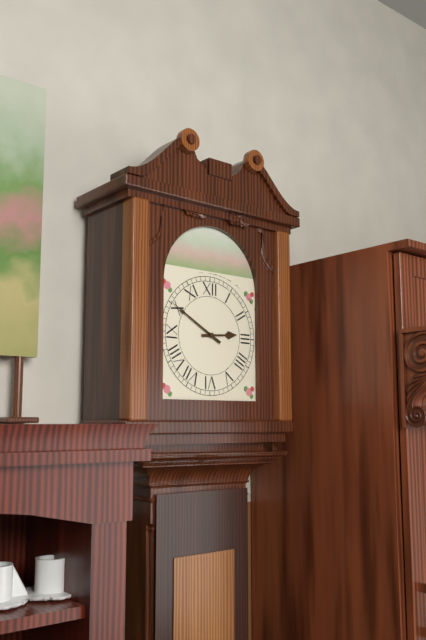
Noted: 2,50
